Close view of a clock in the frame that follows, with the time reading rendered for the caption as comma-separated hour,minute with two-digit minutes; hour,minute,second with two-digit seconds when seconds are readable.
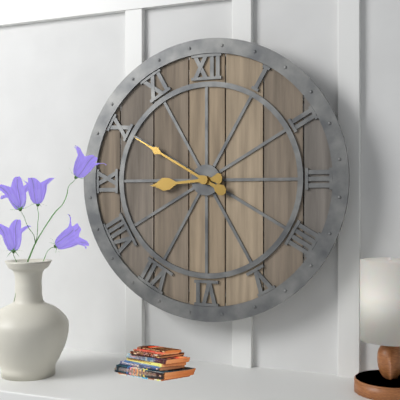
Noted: 8,50
